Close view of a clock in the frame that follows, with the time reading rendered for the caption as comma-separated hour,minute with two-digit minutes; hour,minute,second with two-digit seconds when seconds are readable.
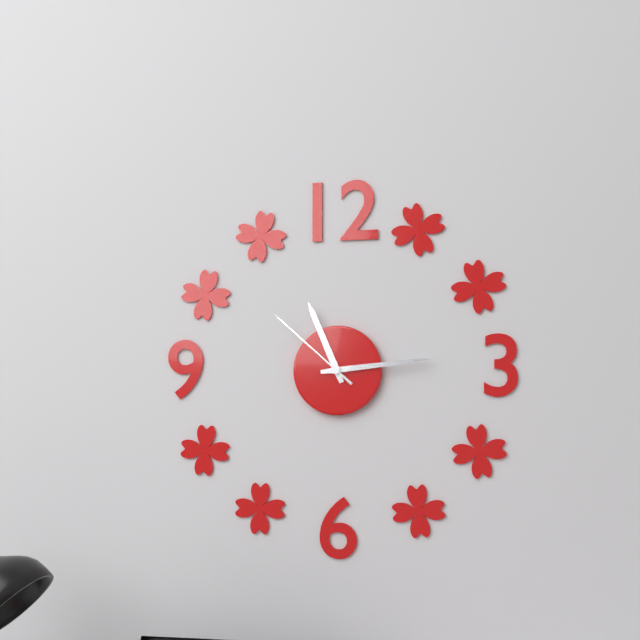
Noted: 11,14,52
